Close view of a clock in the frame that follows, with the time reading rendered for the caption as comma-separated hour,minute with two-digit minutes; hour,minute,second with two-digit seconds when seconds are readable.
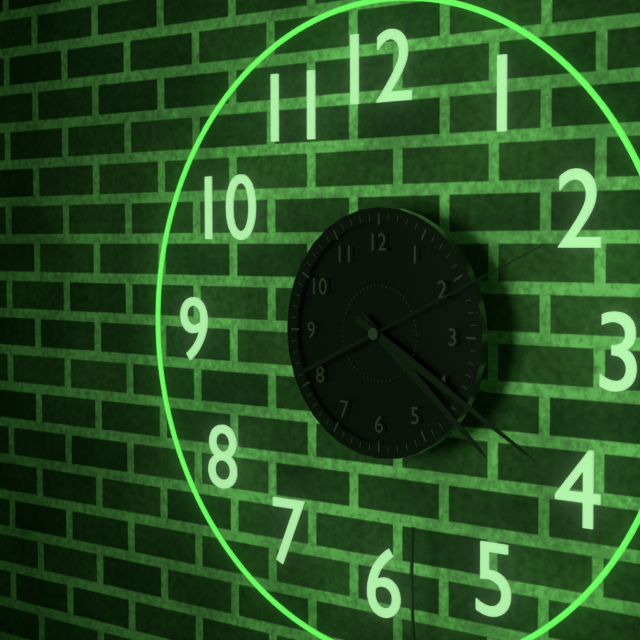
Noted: 4,20,11
